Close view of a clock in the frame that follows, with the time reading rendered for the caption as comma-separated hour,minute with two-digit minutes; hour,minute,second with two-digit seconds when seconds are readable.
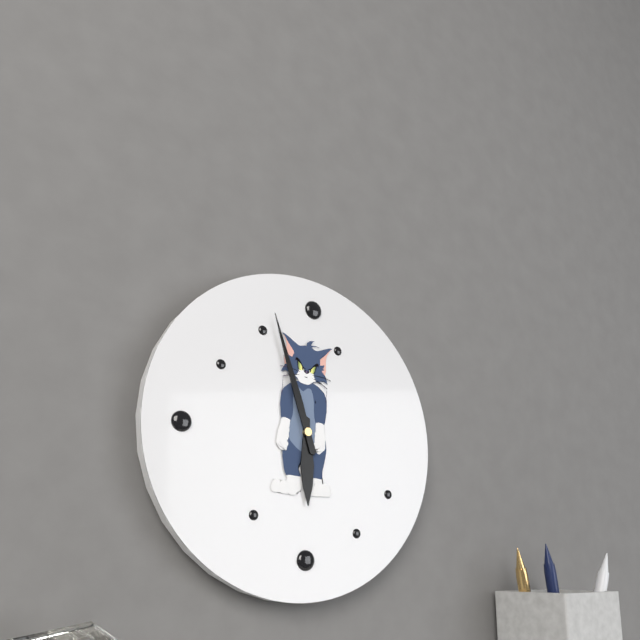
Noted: 5,57
